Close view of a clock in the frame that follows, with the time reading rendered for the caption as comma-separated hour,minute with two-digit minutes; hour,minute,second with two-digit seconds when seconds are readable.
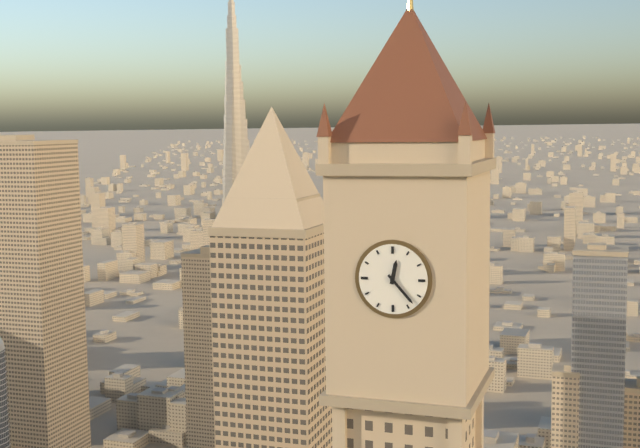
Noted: 12,23
